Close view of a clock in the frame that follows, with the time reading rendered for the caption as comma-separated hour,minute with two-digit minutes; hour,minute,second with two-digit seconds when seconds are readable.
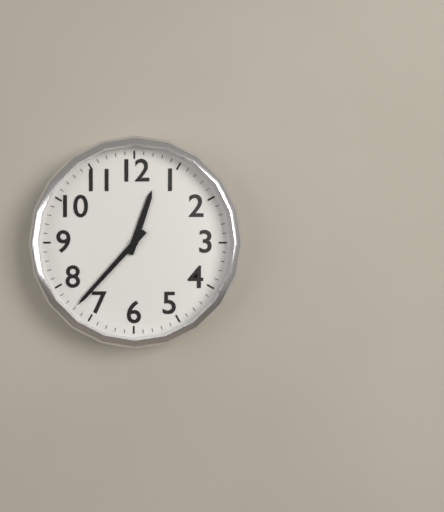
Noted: 12,37
